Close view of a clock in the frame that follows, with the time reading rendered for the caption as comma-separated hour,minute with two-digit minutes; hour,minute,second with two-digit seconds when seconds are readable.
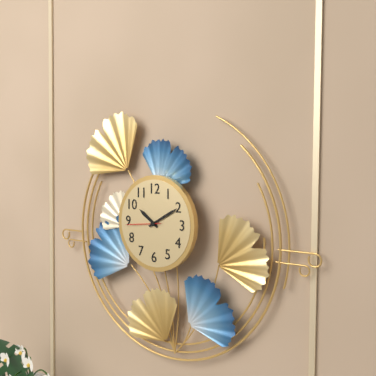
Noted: 10,10
